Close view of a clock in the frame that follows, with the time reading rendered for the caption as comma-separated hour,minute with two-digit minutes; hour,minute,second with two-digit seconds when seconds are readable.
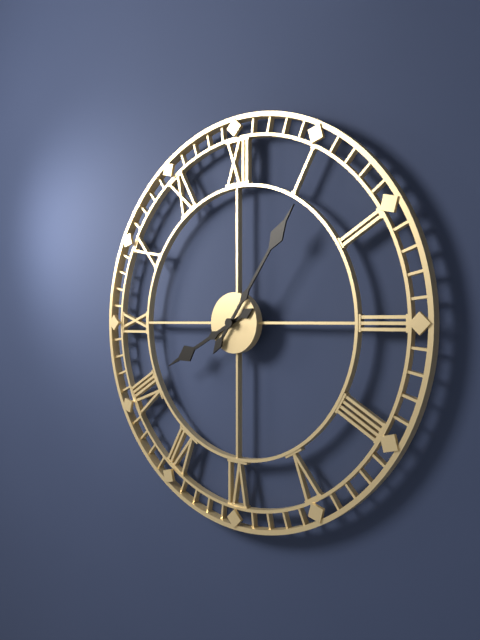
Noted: 8,06
